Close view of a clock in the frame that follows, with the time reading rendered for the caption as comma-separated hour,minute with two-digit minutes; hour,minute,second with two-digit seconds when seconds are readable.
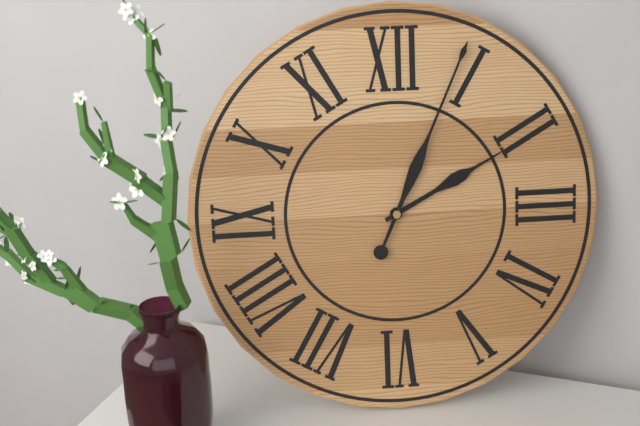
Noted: 2,04
